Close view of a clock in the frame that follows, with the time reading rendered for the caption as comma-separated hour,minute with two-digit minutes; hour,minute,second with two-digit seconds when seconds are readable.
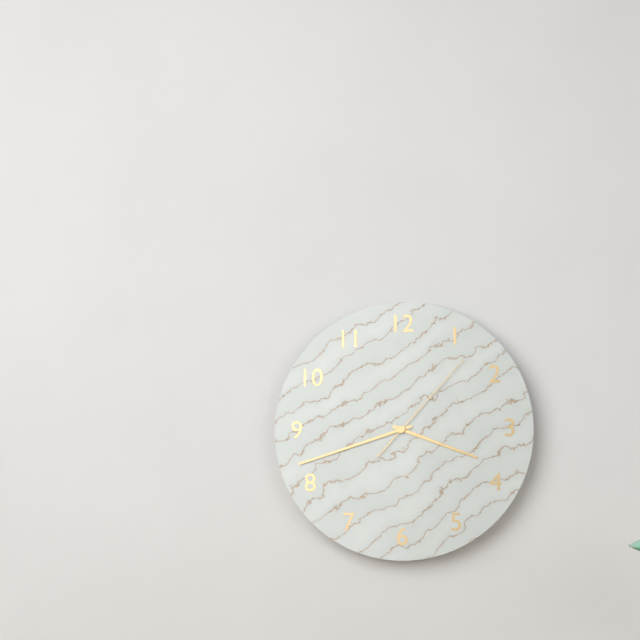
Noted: 3,42,07
